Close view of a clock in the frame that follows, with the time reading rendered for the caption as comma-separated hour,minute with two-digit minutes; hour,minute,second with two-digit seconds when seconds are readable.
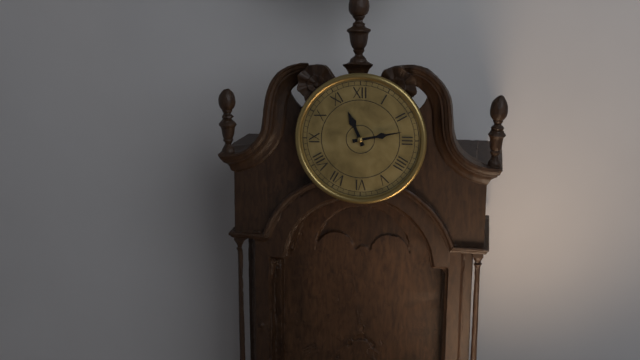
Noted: 11,13
